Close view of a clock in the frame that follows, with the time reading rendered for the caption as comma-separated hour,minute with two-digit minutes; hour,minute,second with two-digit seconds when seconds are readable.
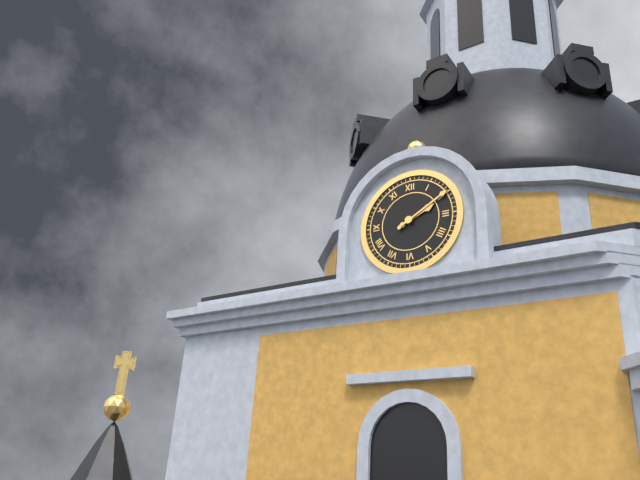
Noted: 2,10
